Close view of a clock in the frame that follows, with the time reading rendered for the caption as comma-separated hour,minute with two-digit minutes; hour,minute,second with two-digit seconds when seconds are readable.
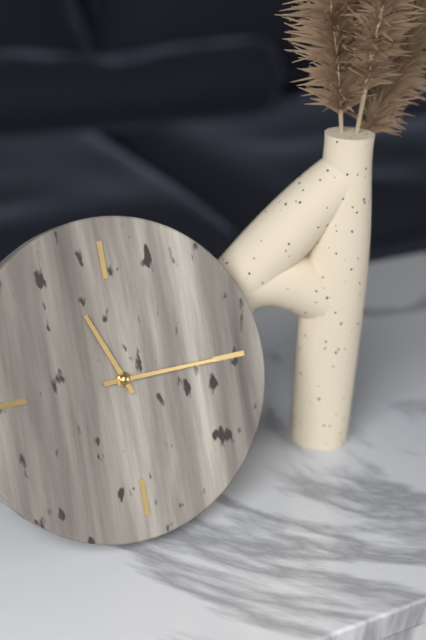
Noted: 11,15
